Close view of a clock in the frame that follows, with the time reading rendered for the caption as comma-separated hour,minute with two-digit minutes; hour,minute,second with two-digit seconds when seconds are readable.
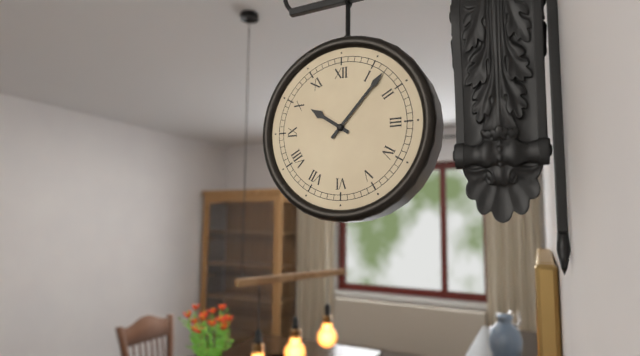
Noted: 10,07
